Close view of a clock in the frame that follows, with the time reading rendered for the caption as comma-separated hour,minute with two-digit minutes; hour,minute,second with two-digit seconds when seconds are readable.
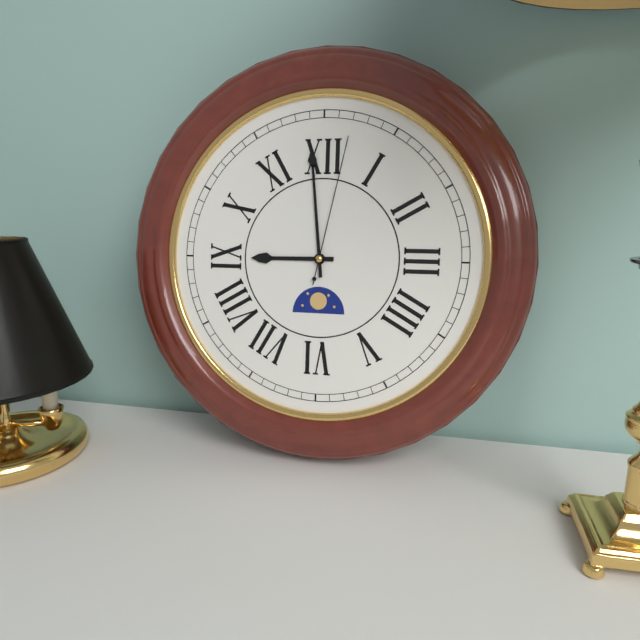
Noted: 8,59,02
